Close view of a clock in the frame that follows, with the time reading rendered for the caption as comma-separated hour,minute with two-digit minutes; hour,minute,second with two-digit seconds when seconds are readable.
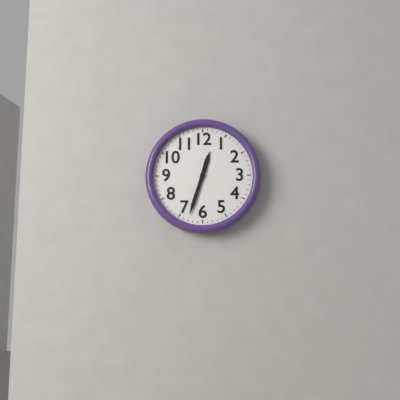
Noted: 12,33
